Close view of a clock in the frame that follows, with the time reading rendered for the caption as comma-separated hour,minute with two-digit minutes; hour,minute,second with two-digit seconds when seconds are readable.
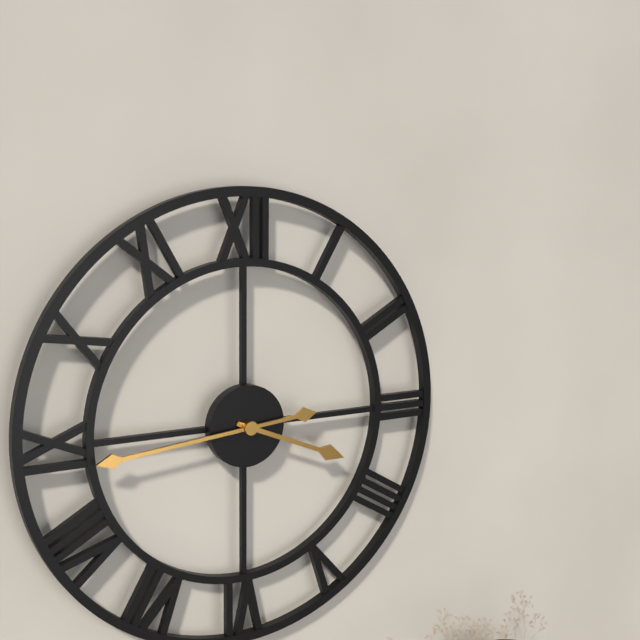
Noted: 3,44
